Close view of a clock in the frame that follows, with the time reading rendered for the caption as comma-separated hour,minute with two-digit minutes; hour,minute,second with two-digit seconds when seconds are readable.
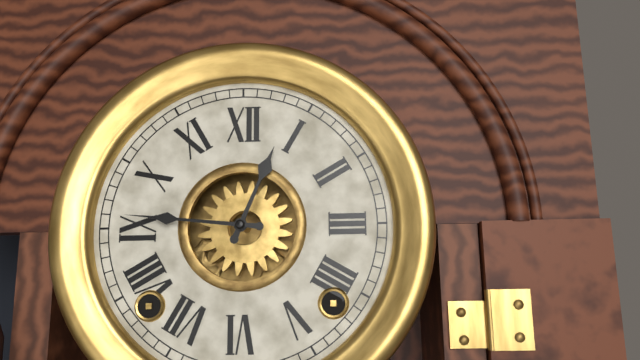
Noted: 12,46
